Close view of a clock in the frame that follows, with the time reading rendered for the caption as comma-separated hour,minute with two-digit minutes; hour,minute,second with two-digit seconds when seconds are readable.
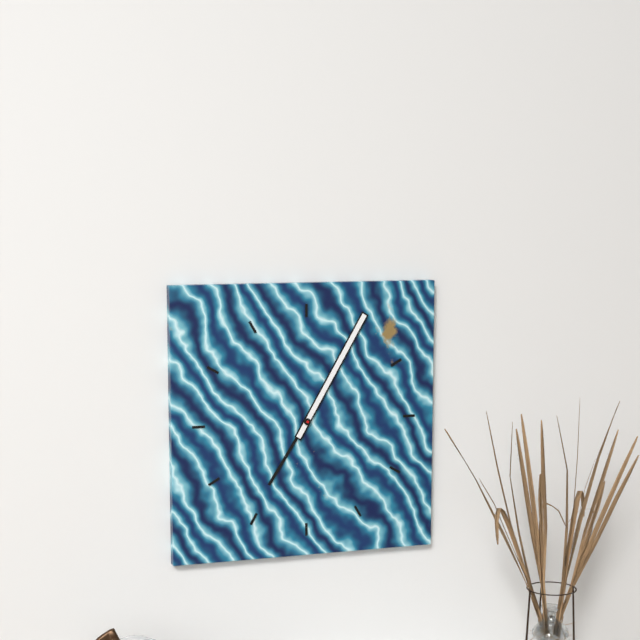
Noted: 7,05
